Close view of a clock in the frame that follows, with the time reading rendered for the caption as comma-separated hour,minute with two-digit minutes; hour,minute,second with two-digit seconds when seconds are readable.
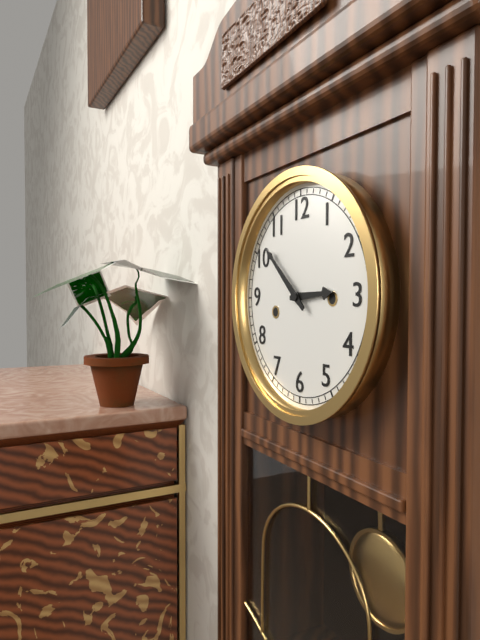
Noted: 2,52
